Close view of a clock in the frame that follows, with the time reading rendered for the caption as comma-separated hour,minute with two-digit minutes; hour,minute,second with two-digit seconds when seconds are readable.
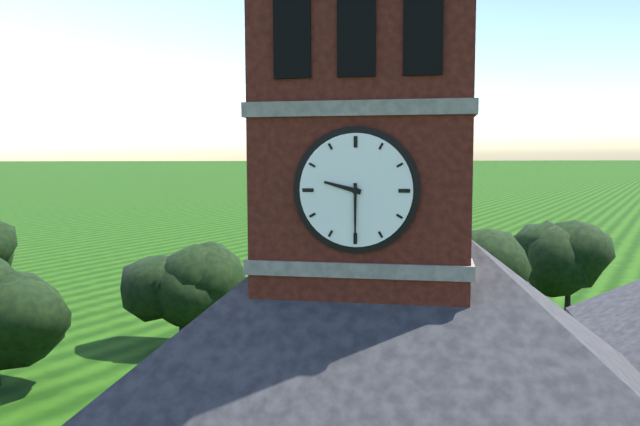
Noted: 9,30
